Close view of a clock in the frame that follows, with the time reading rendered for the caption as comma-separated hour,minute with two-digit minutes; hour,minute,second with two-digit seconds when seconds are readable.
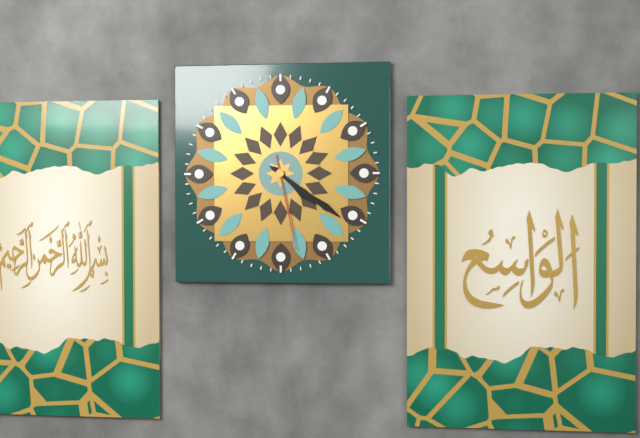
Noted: 4,21,28
